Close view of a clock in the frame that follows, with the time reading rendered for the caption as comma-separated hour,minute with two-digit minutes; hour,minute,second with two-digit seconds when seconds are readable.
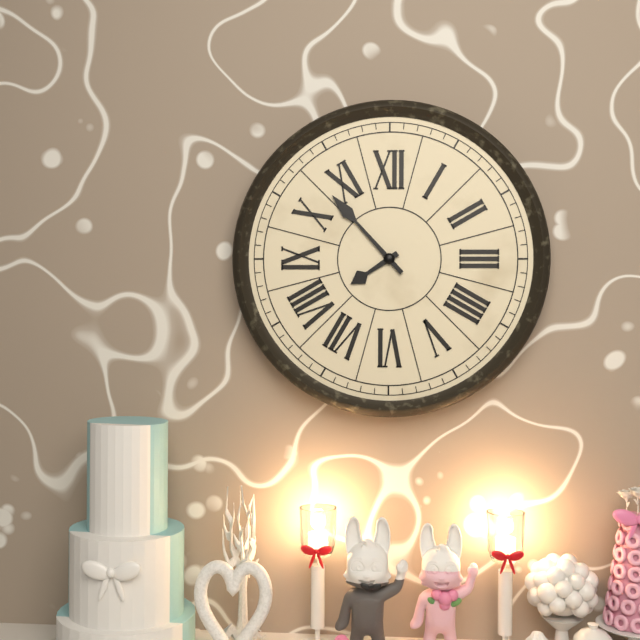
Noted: 7,53
